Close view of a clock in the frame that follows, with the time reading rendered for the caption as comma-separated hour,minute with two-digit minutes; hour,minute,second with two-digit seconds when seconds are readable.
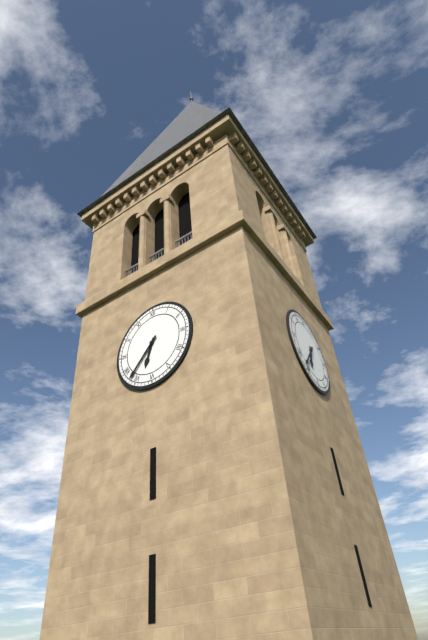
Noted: 6,37
